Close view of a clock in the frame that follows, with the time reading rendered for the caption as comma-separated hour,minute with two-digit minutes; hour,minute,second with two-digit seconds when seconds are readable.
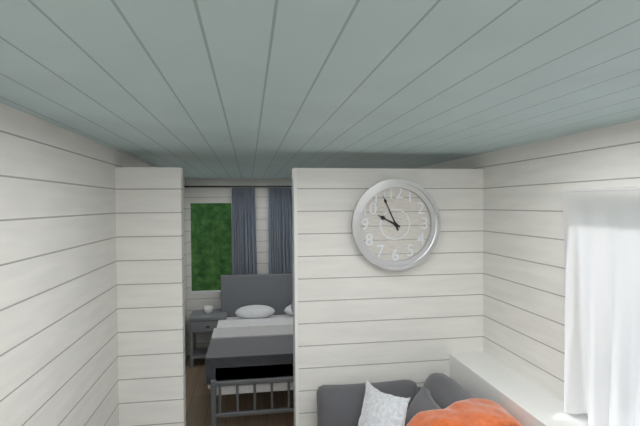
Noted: 9,56
